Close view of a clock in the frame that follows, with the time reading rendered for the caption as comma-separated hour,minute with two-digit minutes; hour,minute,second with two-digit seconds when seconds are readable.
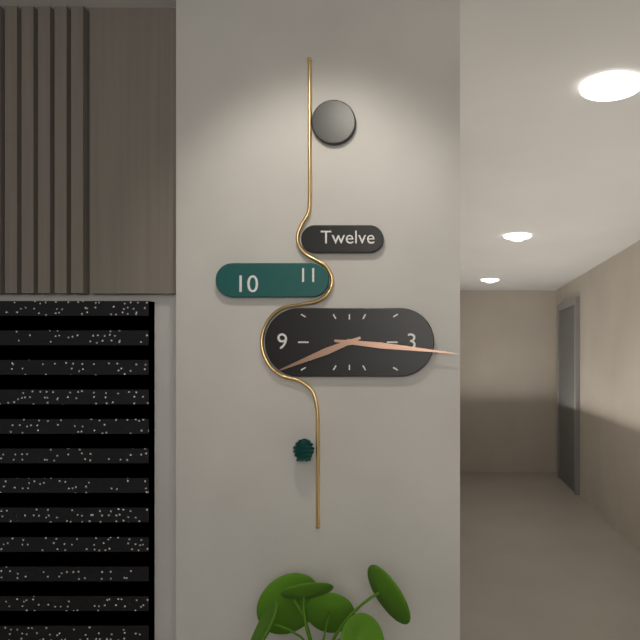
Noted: 8,16
